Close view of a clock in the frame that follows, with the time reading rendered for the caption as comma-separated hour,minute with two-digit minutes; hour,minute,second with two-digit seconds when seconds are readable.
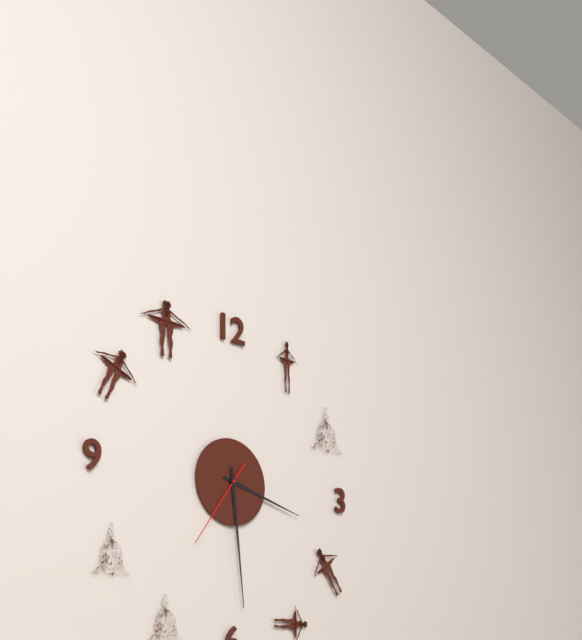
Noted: 3,29,36
